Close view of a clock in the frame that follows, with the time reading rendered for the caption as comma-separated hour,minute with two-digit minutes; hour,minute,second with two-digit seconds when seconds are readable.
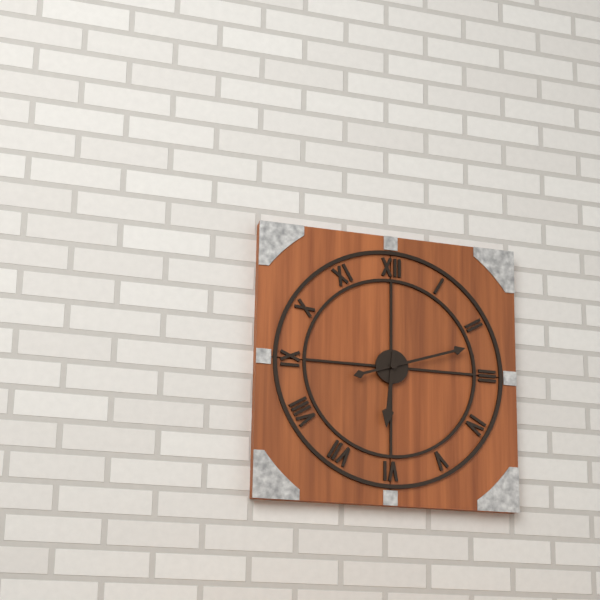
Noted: 6,12
